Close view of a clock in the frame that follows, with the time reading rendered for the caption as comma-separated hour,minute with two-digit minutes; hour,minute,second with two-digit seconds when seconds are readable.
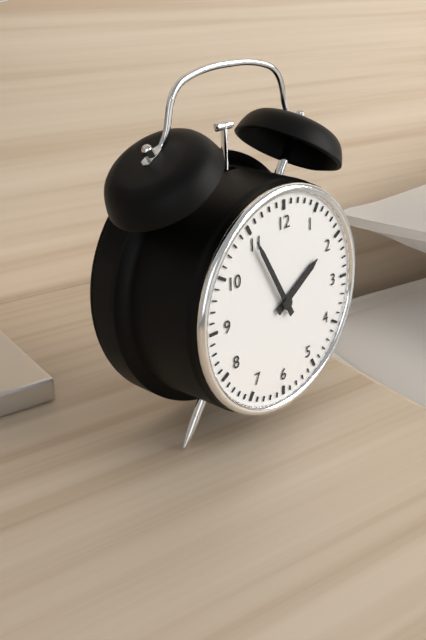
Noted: 1,55
